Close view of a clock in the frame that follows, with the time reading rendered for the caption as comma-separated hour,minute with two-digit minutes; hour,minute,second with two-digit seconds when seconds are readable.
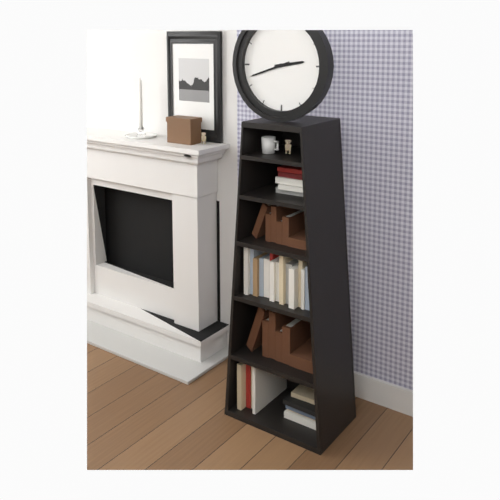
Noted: 2,42
